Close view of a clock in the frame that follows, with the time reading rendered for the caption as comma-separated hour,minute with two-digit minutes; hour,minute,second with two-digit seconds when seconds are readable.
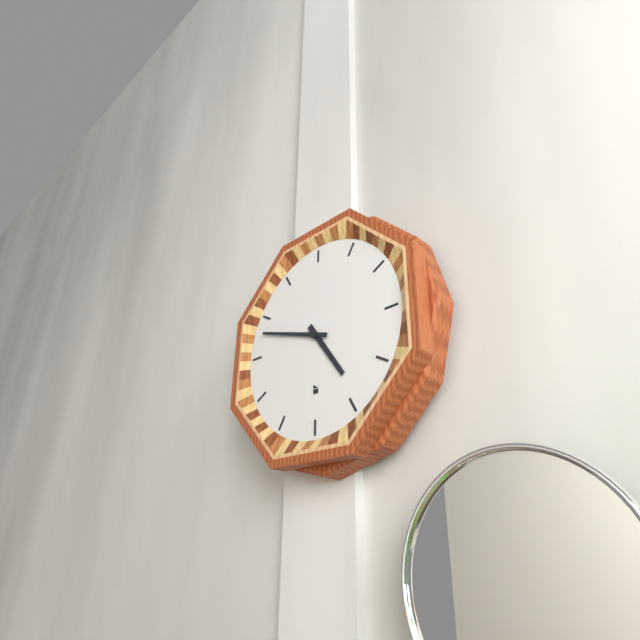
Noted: 4,48
